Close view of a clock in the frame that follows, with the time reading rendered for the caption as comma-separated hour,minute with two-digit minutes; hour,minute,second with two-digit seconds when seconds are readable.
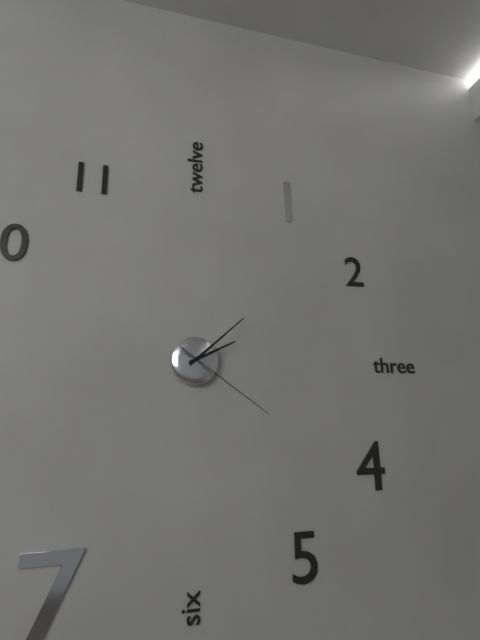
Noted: 2,08,21
